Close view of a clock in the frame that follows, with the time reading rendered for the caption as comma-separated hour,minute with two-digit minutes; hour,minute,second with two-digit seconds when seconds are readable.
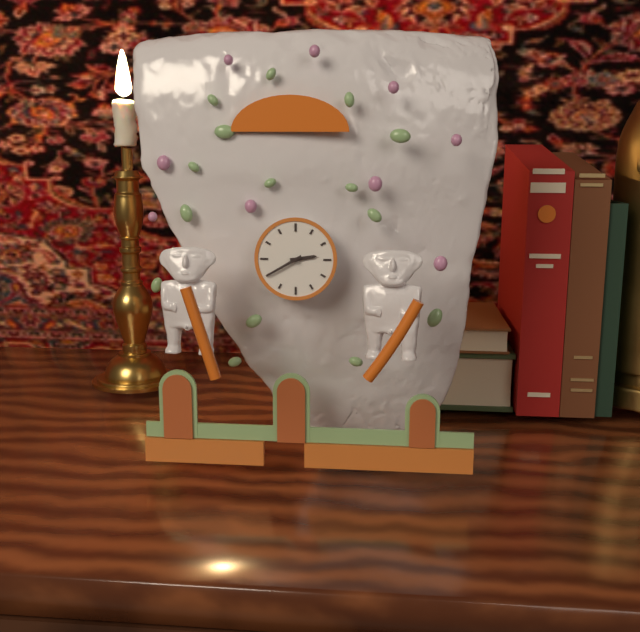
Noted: 2,40
